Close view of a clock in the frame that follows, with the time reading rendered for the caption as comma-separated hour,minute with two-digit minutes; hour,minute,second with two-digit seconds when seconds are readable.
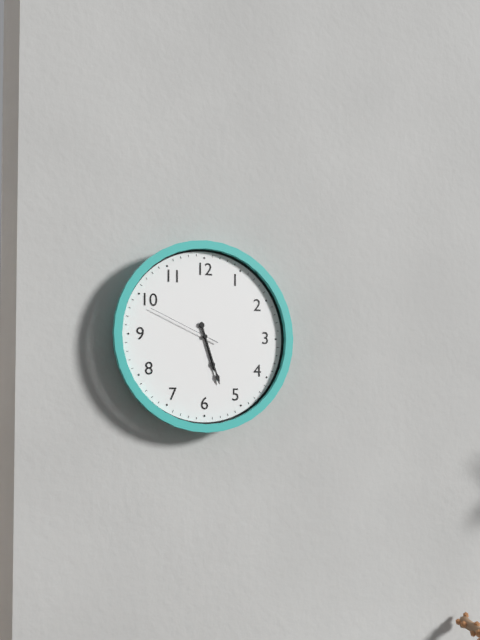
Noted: 5,27,49
